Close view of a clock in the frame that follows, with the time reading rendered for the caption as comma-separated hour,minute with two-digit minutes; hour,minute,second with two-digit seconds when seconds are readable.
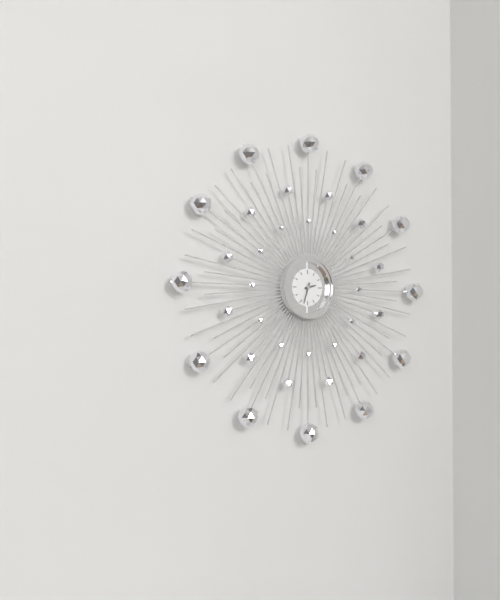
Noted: 2,33
